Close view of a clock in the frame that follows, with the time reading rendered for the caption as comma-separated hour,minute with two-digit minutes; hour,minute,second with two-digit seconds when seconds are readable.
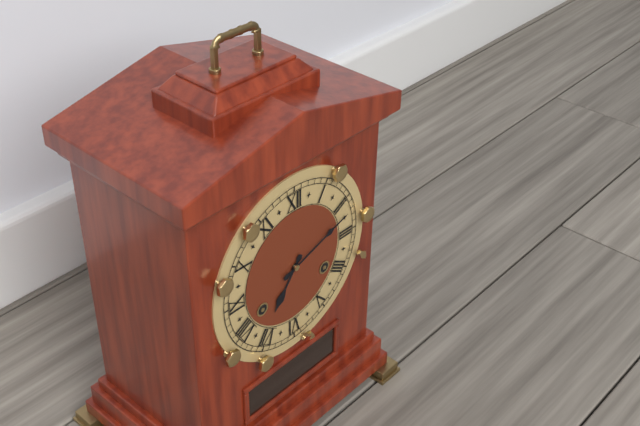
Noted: 7,12
